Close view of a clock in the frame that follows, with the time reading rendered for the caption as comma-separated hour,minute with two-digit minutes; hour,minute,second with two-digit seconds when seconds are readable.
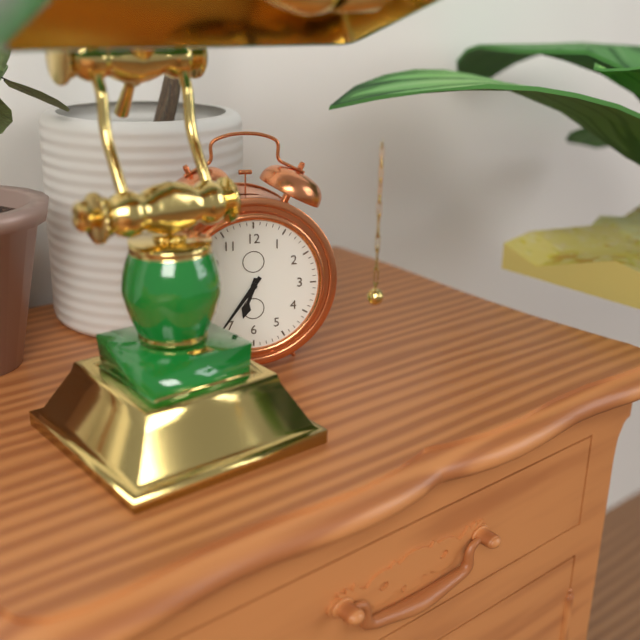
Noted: 6,36
